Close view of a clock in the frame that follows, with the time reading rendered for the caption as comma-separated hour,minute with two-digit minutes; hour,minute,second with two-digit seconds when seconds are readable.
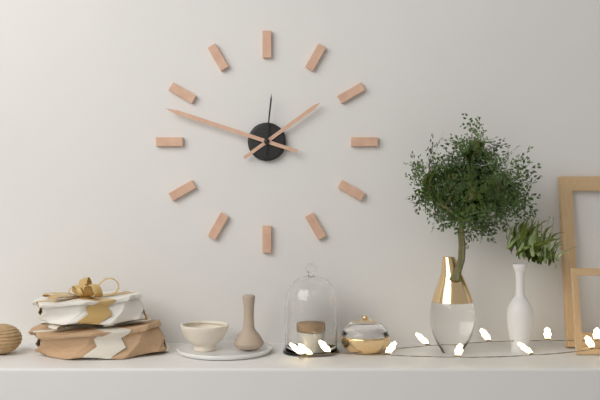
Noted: 1,48,01
